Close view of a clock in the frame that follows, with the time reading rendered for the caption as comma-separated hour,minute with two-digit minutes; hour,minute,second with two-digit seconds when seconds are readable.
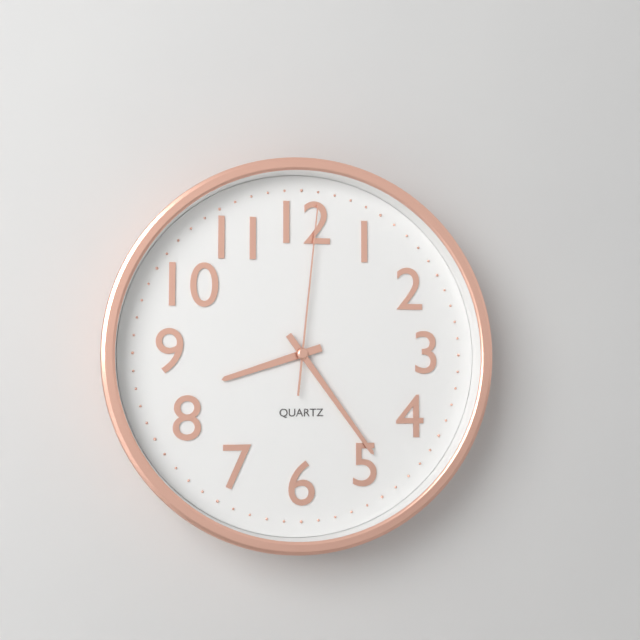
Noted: 8,24,01
